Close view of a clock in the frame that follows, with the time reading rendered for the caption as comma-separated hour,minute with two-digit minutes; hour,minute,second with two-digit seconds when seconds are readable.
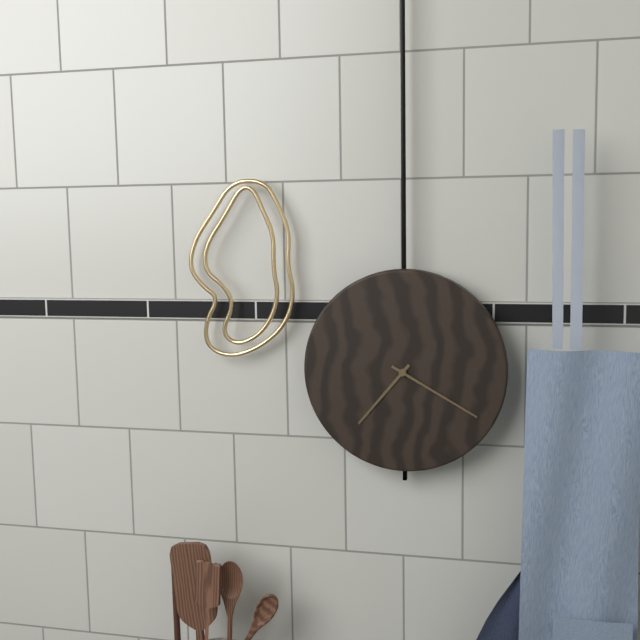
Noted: 7,20
